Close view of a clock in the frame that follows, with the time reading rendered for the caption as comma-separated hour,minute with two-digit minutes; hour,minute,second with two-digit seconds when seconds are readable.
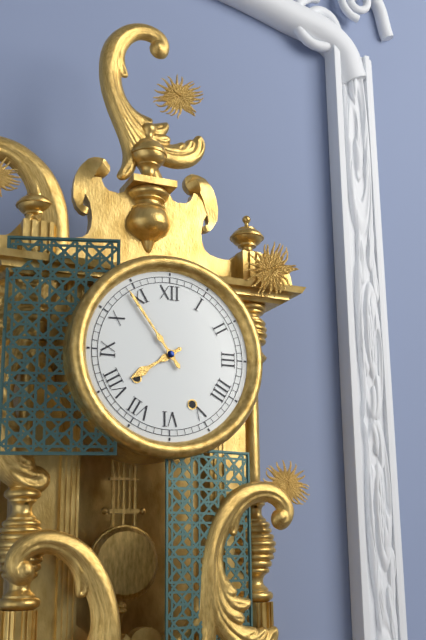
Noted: 7,54
